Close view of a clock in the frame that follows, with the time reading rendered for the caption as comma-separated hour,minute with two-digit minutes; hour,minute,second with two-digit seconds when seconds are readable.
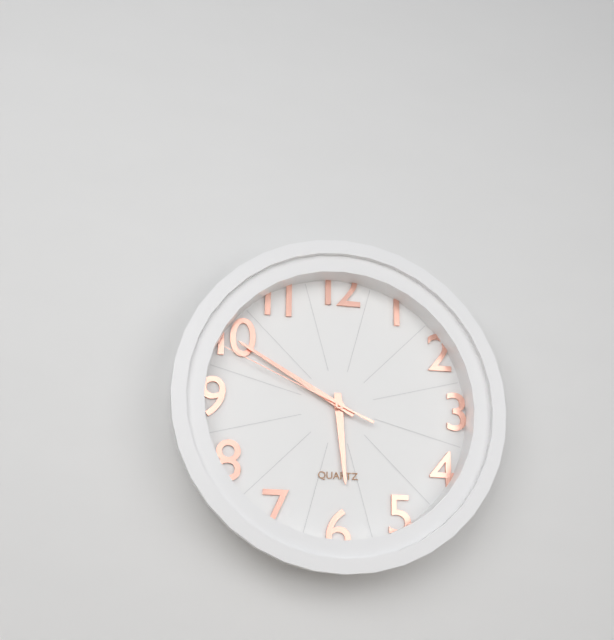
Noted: 5,50,49
